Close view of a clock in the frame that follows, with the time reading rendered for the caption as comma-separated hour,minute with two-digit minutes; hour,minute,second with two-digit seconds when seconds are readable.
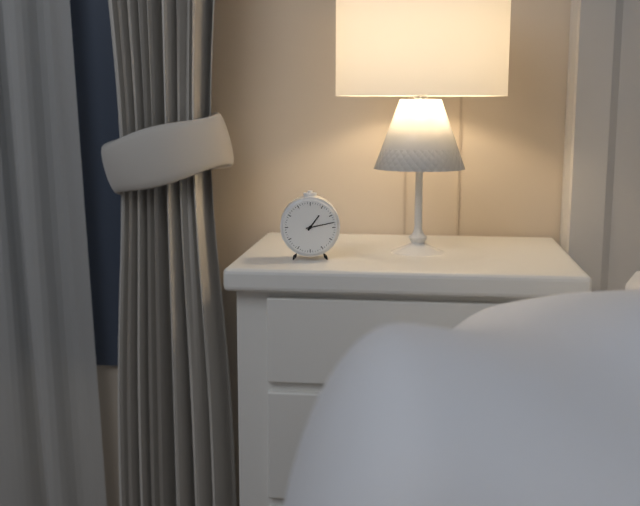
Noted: 1,13
